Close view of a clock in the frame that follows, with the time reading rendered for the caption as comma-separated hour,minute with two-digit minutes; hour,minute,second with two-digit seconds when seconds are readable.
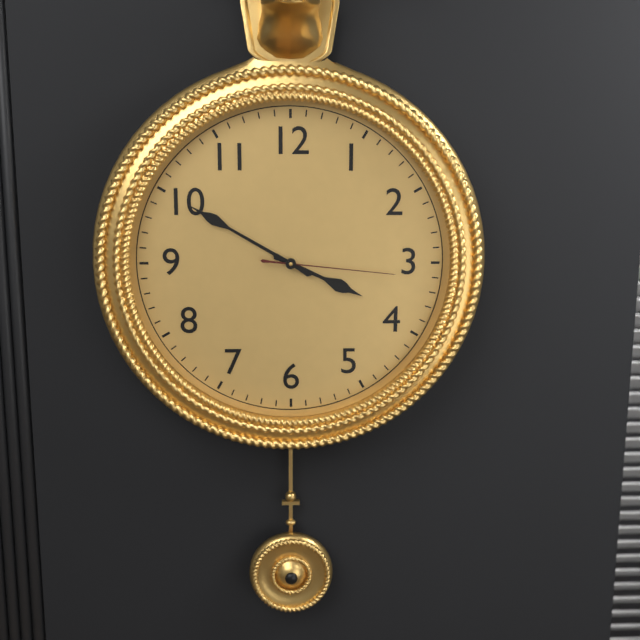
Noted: 3,50,16
